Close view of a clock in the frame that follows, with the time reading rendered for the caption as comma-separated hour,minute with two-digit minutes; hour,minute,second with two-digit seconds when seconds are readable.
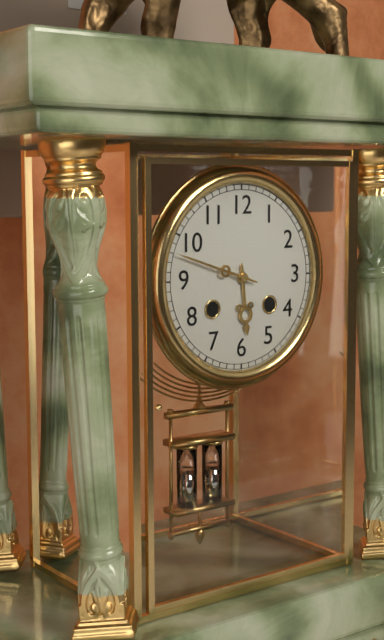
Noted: 5,48
